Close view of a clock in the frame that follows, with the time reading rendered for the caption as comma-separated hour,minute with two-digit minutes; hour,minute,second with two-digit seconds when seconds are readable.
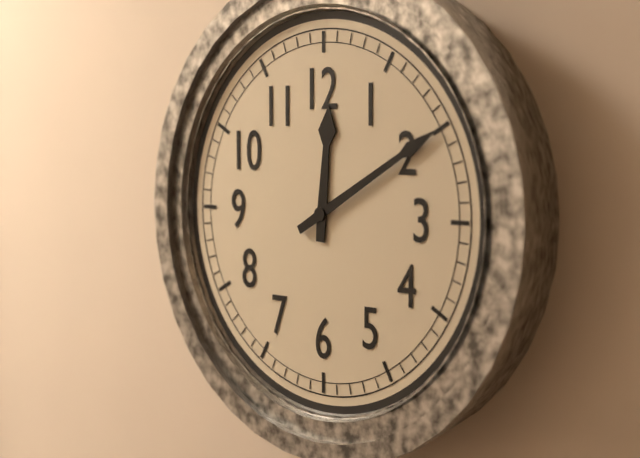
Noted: 12,10
